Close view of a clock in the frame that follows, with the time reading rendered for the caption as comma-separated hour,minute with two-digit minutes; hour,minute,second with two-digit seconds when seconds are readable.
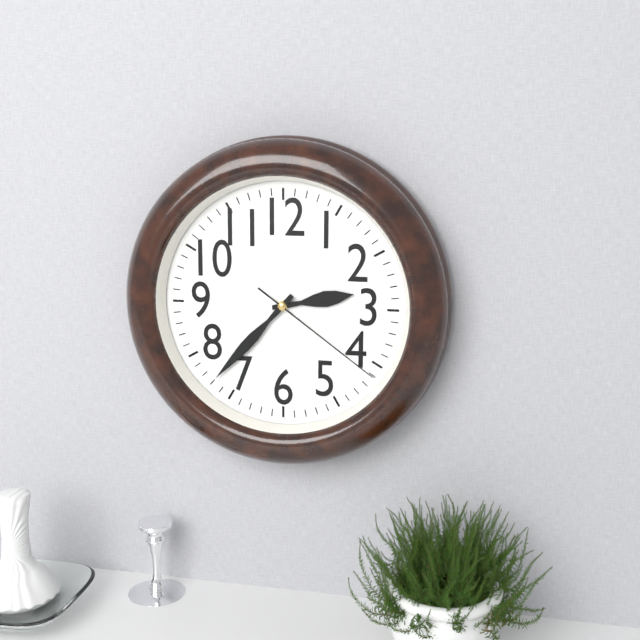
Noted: 2,37,21
